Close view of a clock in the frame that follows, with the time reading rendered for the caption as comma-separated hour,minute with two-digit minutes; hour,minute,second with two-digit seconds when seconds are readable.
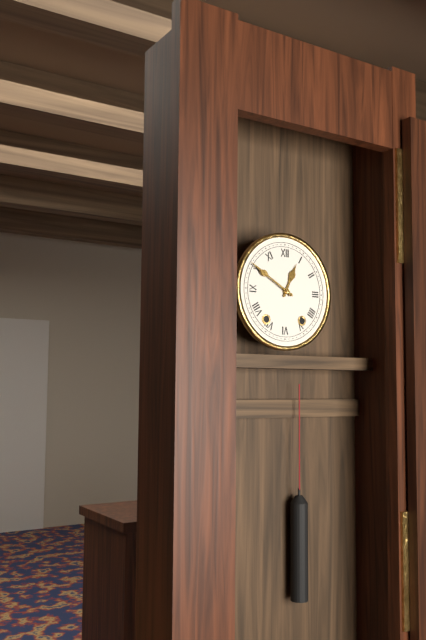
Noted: 12,50
